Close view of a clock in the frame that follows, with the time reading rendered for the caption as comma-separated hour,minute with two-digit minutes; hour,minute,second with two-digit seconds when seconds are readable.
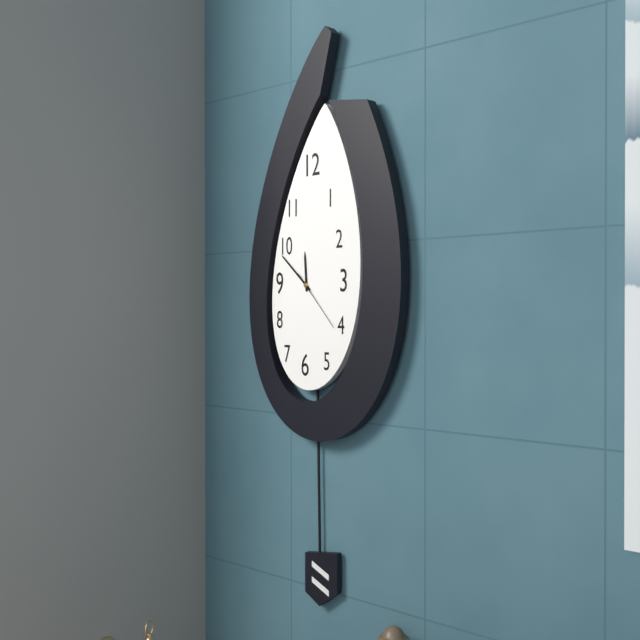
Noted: 11,52,23
